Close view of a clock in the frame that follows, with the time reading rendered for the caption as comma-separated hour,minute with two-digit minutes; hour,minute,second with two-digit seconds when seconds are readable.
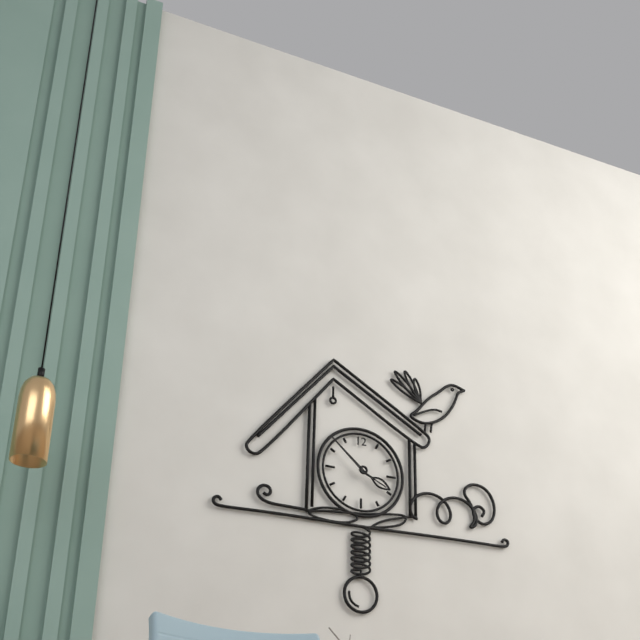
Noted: 3,52
